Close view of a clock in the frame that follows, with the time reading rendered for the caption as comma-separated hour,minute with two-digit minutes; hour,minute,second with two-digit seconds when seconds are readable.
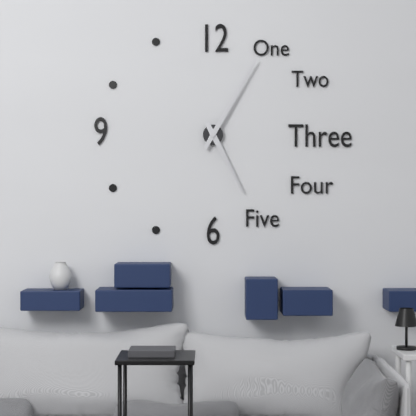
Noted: 5,05
